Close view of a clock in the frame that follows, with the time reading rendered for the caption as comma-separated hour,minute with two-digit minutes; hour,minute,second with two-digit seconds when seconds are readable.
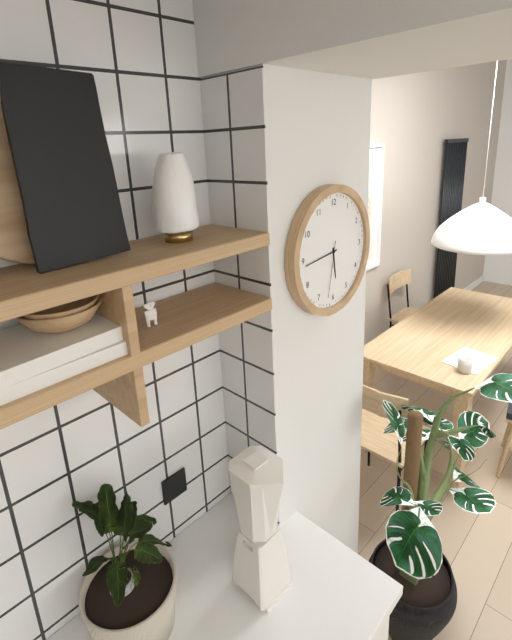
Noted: 5,44,32
